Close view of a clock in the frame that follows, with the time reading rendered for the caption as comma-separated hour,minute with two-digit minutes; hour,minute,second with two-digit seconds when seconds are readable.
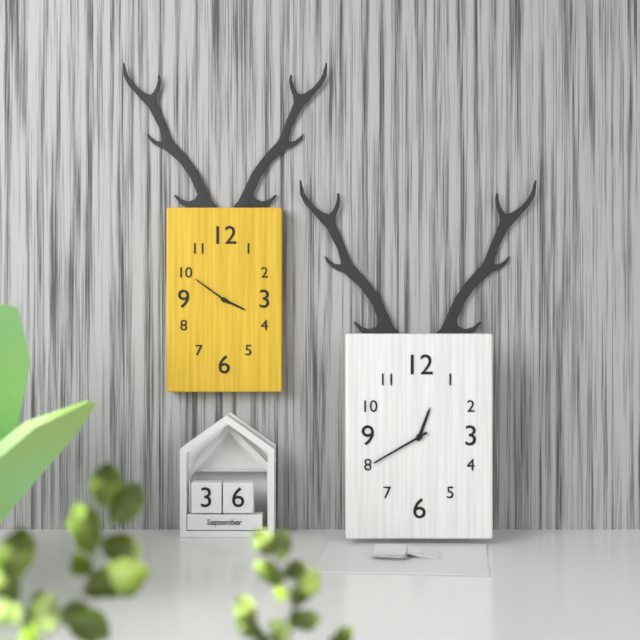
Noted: 3,51
